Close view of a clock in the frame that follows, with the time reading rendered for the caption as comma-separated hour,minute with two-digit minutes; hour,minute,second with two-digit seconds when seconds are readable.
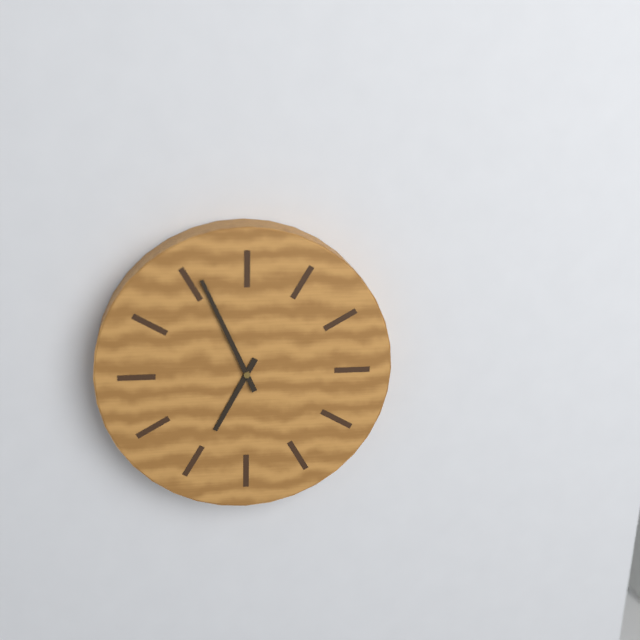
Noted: 6,56
